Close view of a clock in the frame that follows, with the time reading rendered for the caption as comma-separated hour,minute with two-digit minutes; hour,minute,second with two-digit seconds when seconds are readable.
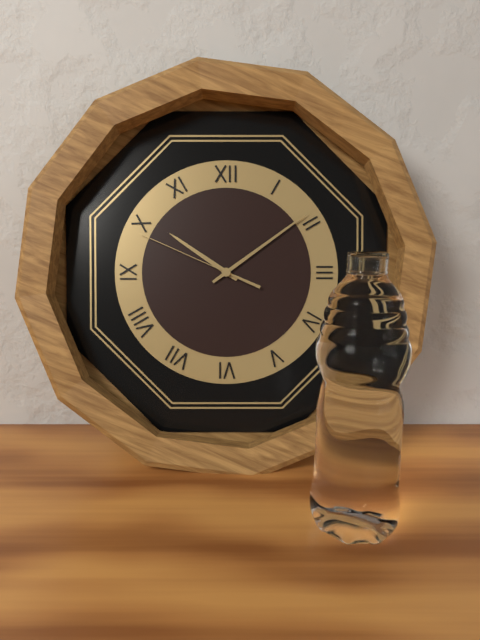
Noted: 10,09,49
